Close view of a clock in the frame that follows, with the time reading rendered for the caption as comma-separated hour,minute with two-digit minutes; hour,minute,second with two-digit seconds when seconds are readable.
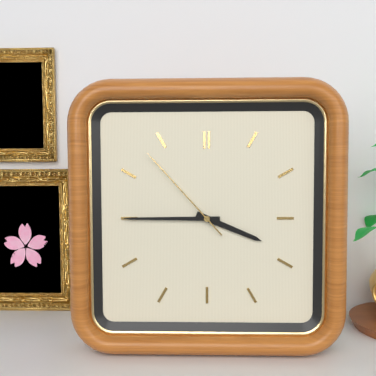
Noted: 3,45,53
